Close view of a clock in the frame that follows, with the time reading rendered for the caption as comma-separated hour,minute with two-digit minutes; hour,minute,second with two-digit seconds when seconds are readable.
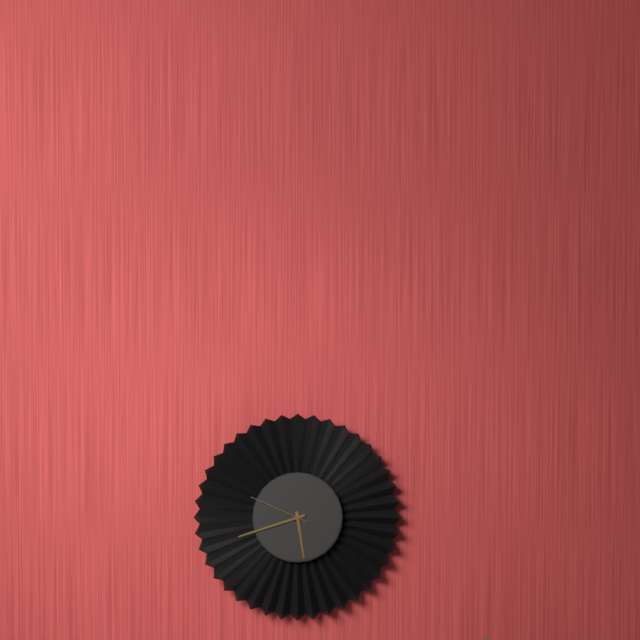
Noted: 5,42,49
